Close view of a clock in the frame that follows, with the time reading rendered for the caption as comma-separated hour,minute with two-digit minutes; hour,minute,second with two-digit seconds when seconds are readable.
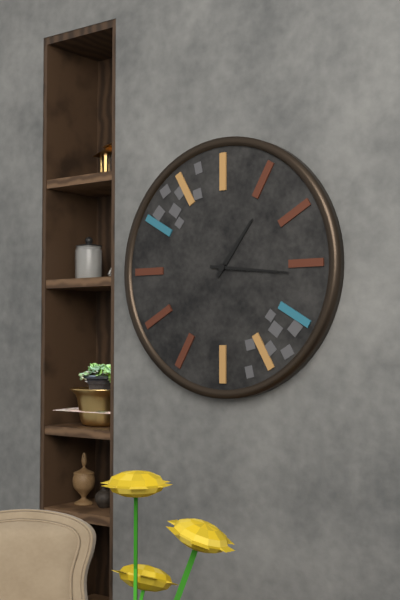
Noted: 1,16
